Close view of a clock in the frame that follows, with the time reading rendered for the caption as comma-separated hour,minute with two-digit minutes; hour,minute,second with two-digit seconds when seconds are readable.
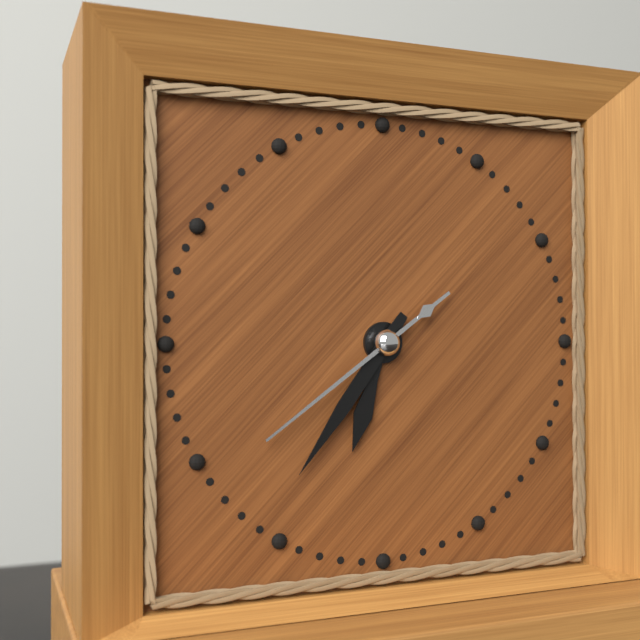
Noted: 6,36,39
